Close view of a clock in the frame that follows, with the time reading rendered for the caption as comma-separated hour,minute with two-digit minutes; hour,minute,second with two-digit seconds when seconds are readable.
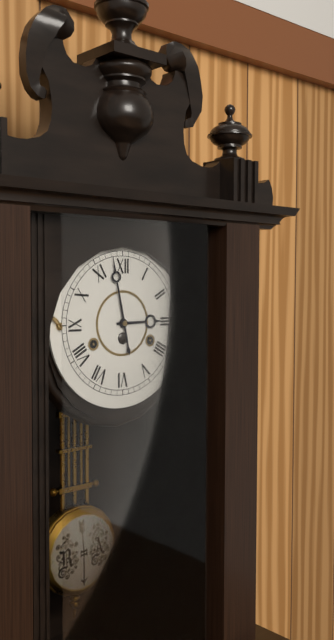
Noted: 2,58
